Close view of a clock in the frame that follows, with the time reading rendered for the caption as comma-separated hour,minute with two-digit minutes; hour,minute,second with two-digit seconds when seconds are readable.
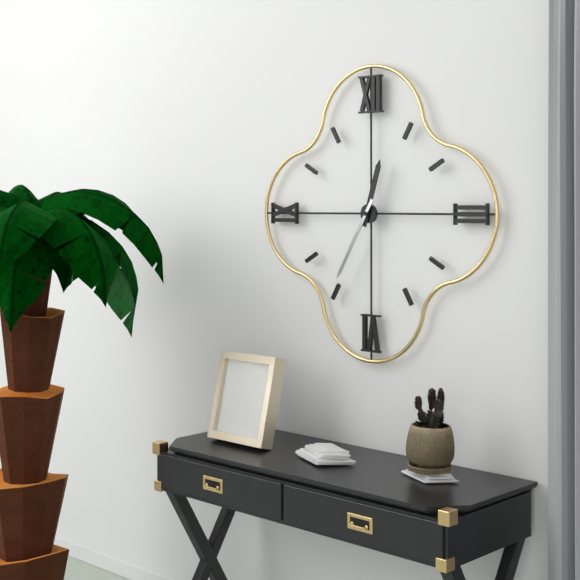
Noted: 12,35
